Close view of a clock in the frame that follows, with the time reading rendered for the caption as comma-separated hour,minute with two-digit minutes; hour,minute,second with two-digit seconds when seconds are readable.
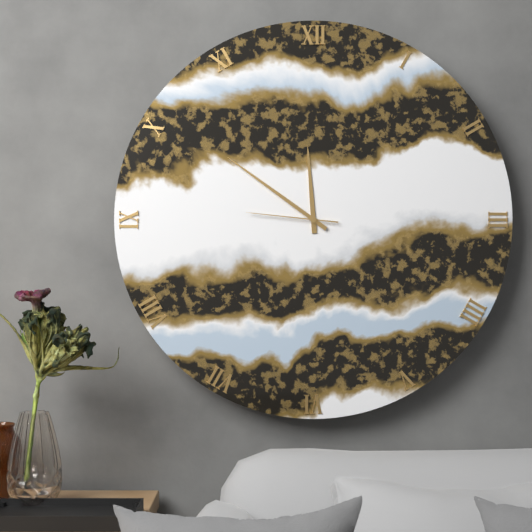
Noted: 11,51,46
